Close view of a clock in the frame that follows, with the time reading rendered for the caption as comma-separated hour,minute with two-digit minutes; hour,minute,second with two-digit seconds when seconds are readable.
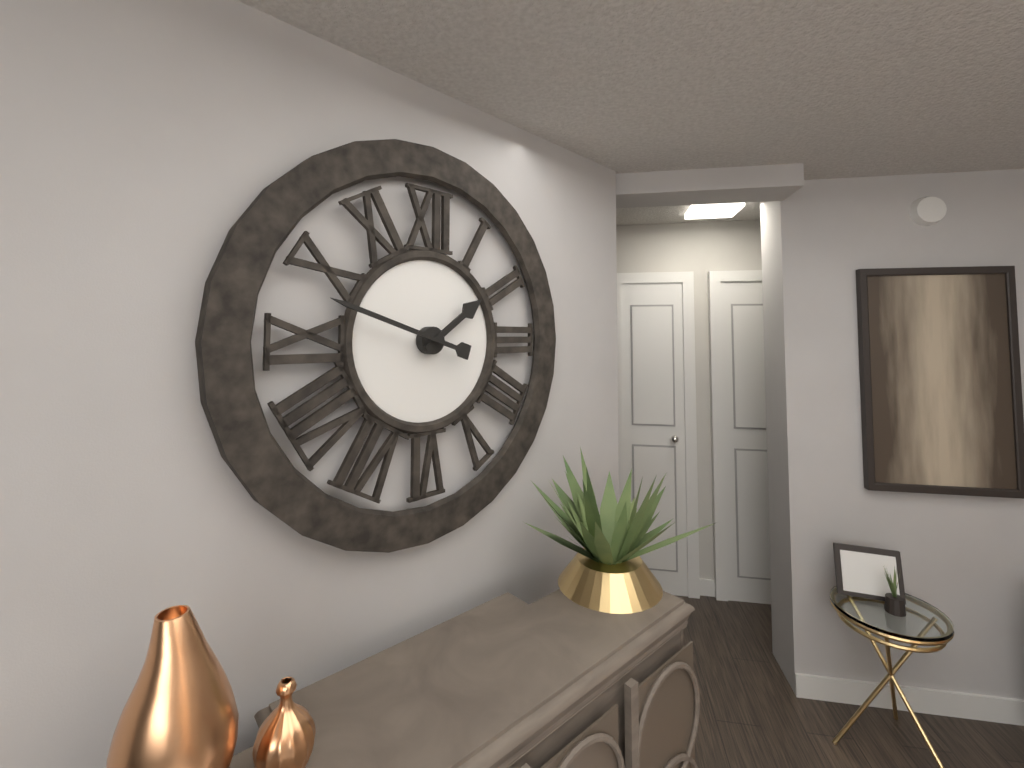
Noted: 1,48
